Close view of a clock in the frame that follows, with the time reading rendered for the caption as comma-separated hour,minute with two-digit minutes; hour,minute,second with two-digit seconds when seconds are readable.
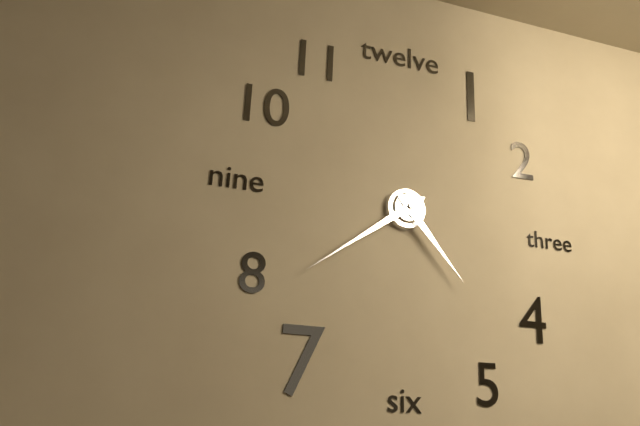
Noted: 4,39
